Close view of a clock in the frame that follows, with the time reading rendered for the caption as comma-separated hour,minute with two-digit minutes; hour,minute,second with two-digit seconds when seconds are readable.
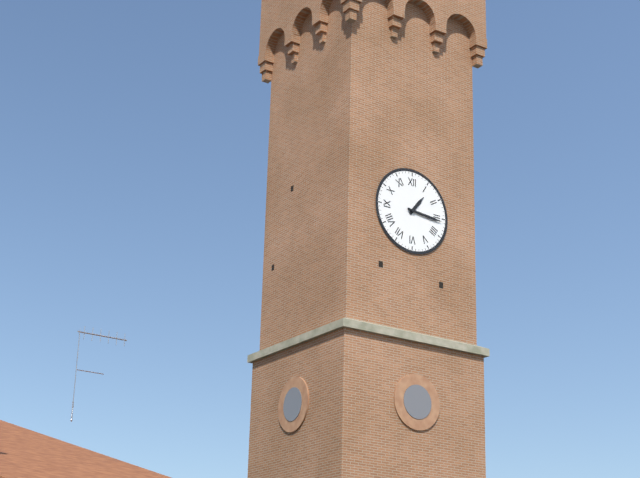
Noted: 1,16
